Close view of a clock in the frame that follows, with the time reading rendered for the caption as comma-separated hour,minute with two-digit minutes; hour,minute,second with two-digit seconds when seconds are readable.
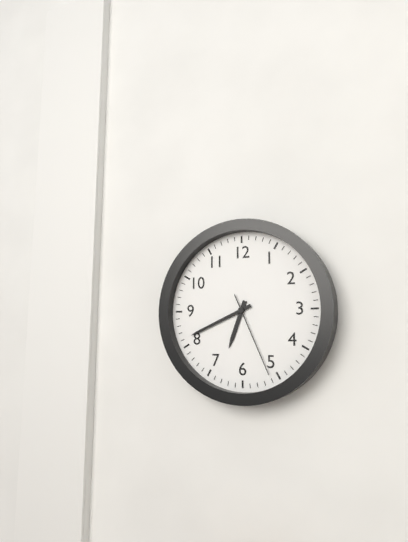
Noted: 6,41,26
